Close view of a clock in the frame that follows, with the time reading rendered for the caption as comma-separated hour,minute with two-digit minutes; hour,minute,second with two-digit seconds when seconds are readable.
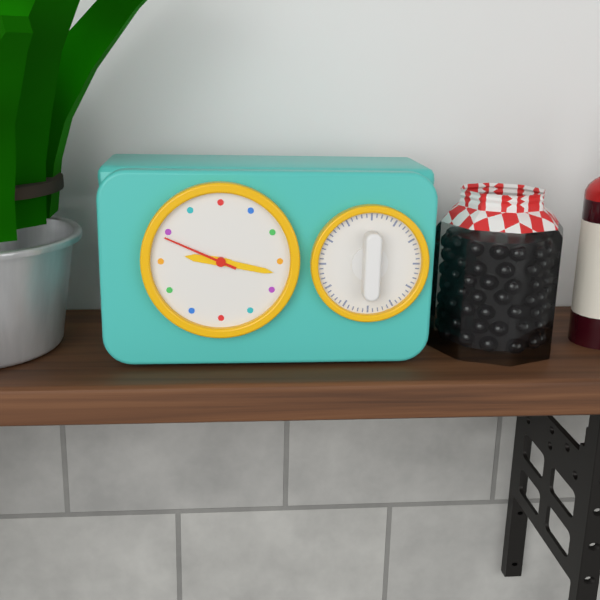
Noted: 9,17,49
